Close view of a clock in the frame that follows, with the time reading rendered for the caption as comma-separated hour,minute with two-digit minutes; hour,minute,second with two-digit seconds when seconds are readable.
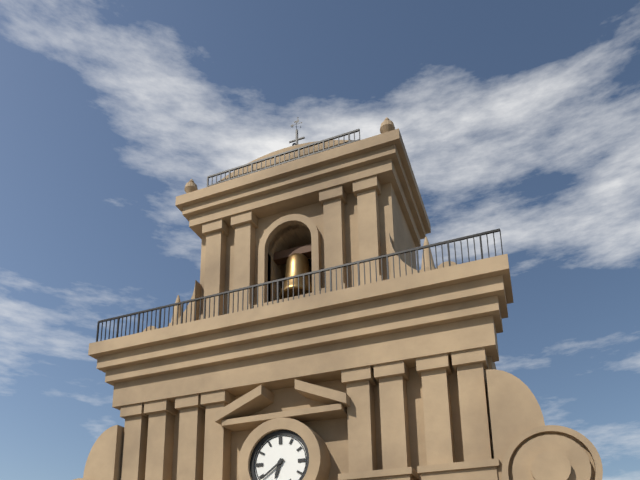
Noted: 6,39
